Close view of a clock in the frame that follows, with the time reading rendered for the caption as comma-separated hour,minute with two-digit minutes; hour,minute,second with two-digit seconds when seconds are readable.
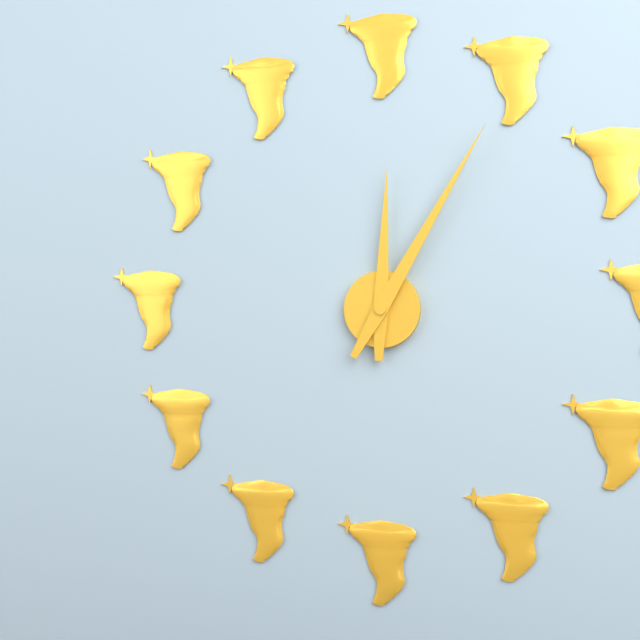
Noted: 12,05
